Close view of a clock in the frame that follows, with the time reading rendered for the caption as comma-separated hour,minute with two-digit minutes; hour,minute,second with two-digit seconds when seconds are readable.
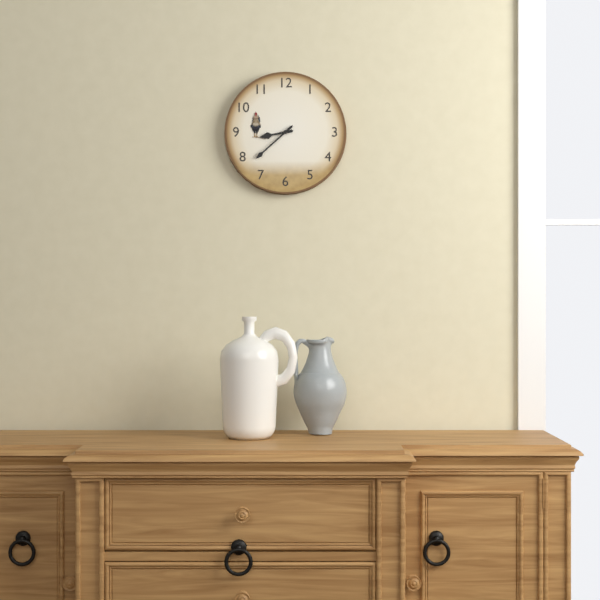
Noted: 8,38
